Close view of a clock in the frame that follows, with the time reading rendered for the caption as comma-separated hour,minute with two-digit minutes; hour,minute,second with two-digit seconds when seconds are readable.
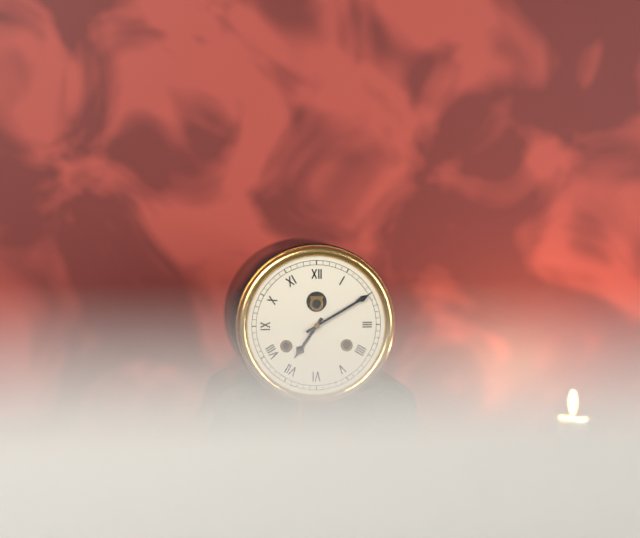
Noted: 7,10
